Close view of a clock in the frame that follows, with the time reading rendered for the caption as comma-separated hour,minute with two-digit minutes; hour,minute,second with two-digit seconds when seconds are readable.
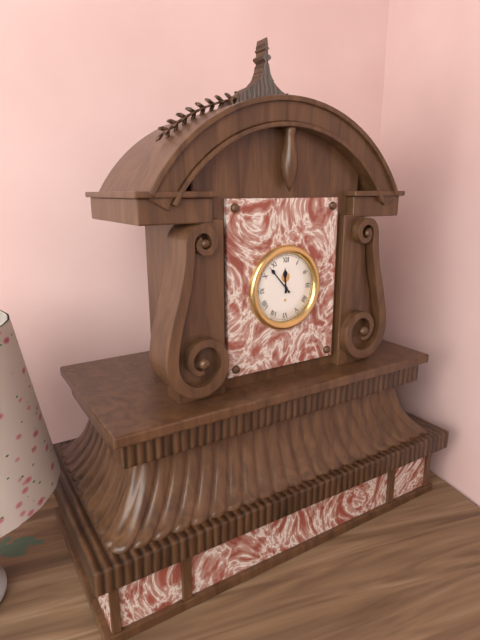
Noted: 11,53
